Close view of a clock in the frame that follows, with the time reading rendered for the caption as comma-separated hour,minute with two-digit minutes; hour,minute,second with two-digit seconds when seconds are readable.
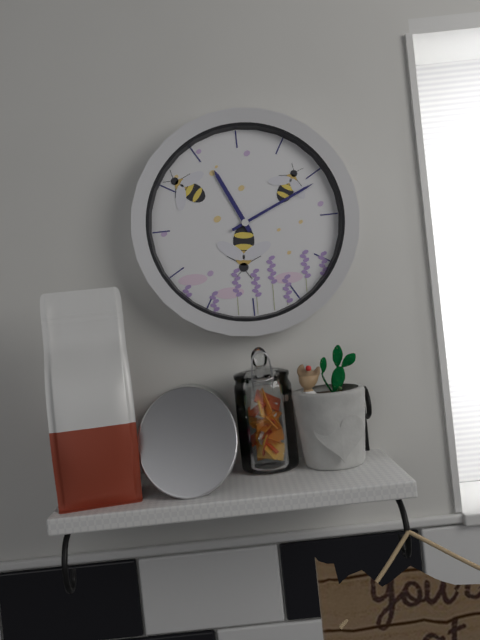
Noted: 11,11
